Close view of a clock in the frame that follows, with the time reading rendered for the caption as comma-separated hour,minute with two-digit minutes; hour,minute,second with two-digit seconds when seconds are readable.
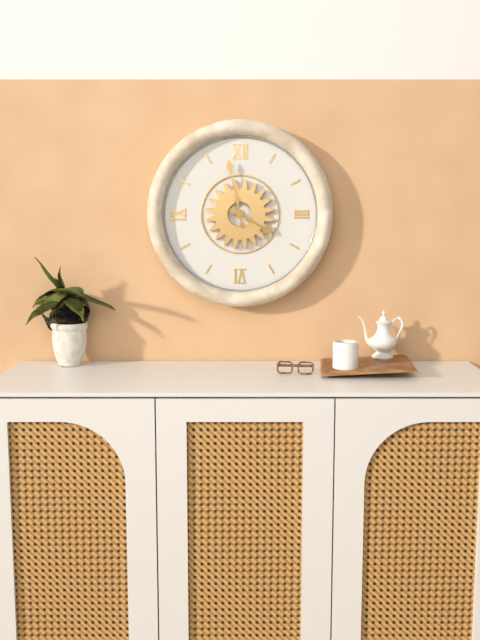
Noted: 3,58
